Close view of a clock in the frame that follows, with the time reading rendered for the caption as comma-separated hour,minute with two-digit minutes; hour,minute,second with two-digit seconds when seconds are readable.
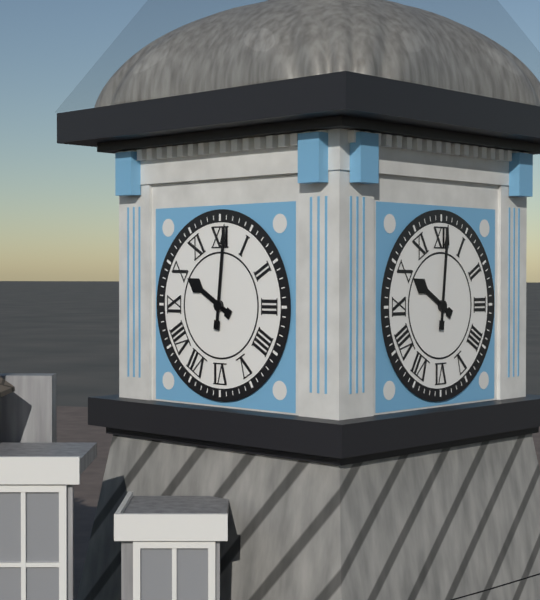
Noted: 10,01
